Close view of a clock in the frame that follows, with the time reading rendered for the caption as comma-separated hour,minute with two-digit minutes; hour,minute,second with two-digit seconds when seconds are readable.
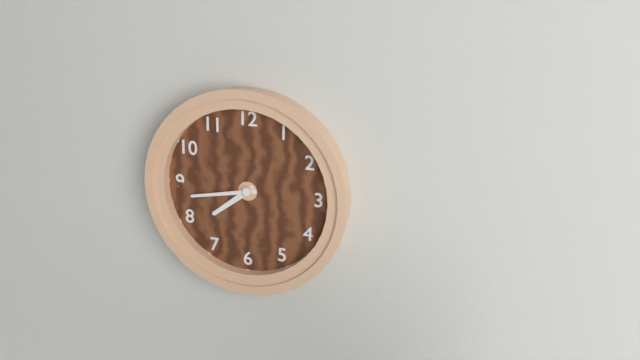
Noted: 7,43
